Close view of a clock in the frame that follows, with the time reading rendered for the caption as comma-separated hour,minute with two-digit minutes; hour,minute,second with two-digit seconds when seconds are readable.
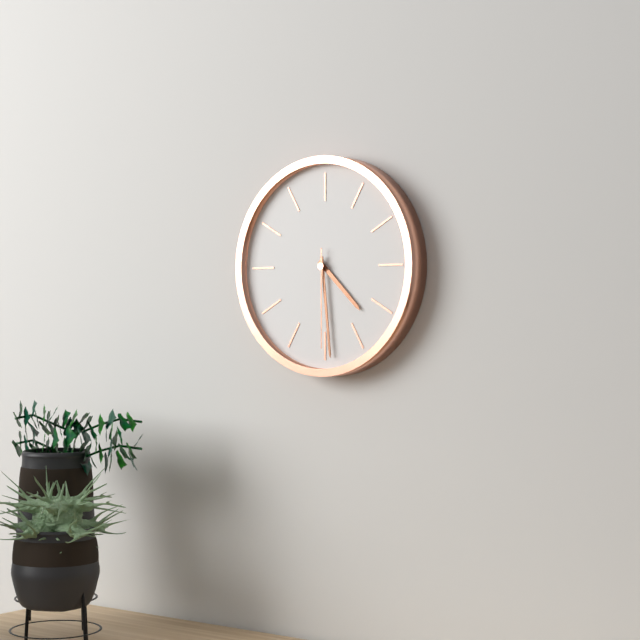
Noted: 4,29,30
